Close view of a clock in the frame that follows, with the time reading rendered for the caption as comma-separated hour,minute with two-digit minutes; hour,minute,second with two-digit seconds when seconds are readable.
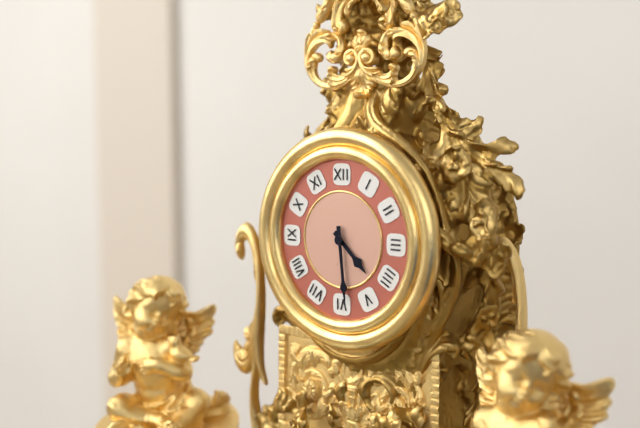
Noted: 4,29
